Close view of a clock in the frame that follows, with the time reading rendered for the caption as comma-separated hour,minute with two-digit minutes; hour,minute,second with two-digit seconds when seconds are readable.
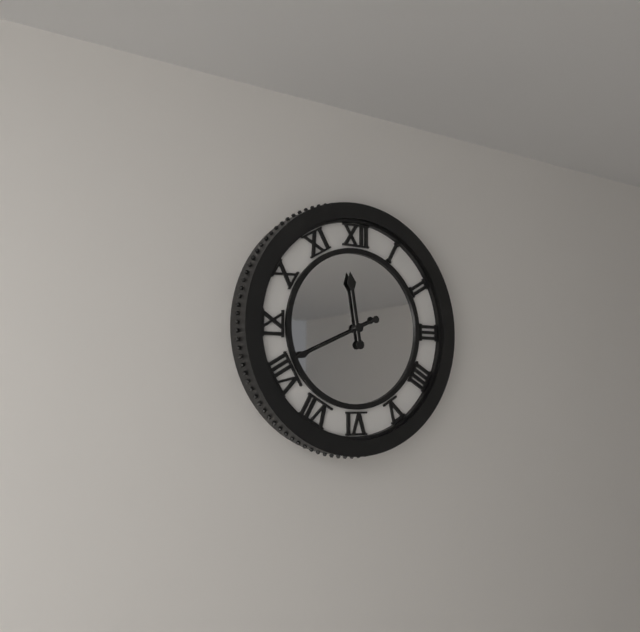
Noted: 11,41
